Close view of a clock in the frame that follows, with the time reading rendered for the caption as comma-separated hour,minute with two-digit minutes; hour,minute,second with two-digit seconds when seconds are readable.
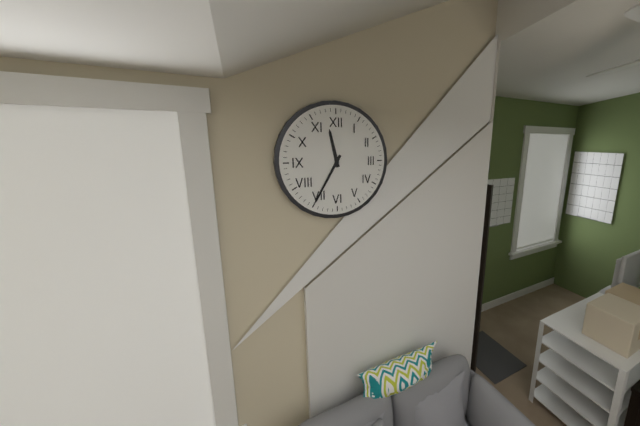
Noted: 11,35
